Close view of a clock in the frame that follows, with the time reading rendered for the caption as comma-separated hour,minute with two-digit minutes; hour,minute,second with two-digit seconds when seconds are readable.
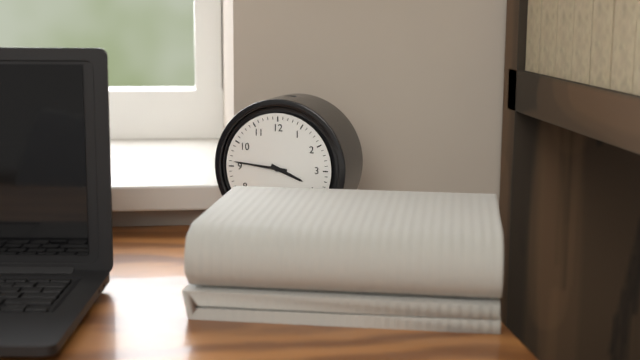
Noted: 3,46
